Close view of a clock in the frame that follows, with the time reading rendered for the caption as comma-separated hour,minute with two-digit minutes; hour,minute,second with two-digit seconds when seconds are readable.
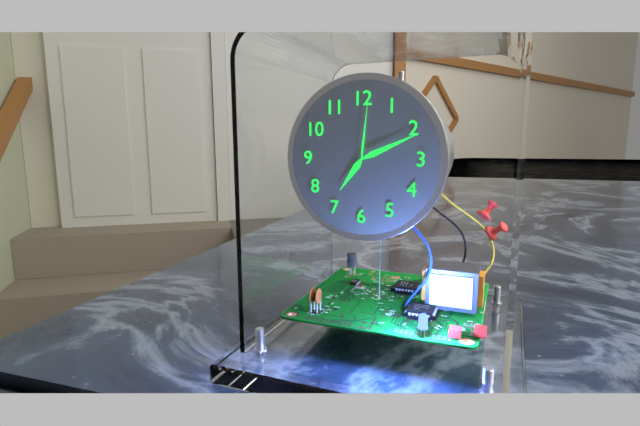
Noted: 7,11,01
